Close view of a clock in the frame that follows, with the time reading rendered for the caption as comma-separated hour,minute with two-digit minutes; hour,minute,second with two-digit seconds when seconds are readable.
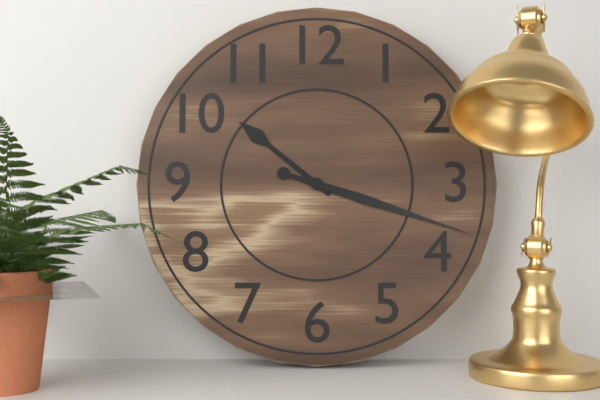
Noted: 10,18
